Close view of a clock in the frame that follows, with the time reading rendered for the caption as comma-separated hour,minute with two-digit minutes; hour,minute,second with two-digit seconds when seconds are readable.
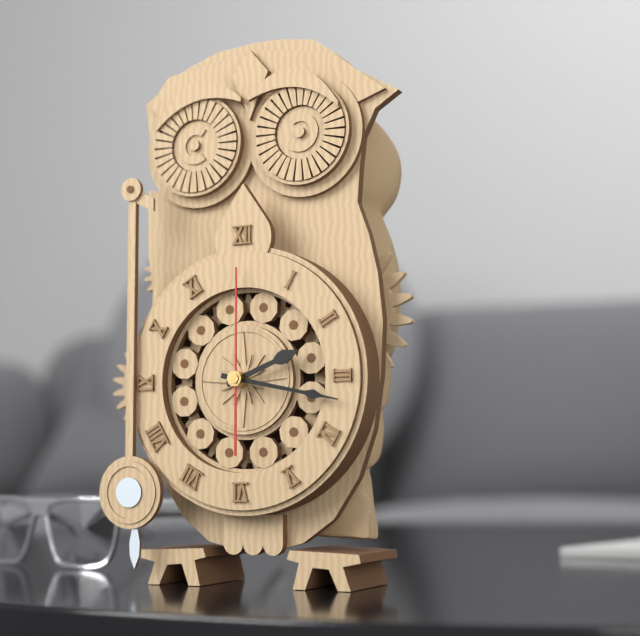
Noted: 2,17,00
